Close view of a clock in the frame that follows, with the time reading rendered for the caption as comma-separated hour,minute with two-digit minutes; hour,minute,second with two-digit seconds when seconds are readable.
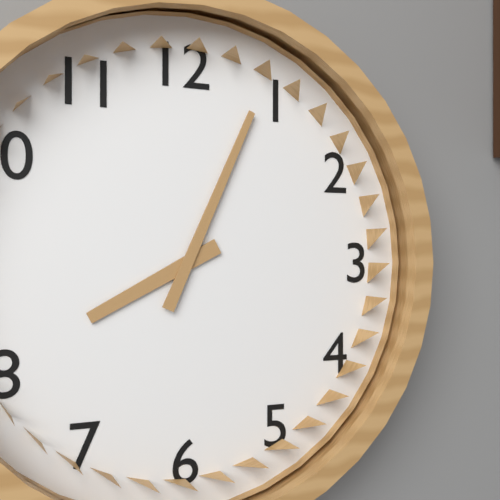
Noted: 8,04
